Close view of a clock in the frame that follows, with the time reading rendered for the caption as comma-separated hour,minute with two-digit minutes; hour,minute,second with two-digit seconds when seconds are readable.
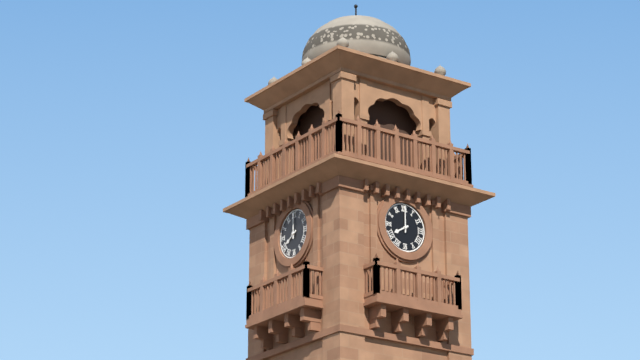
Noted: 8,00
